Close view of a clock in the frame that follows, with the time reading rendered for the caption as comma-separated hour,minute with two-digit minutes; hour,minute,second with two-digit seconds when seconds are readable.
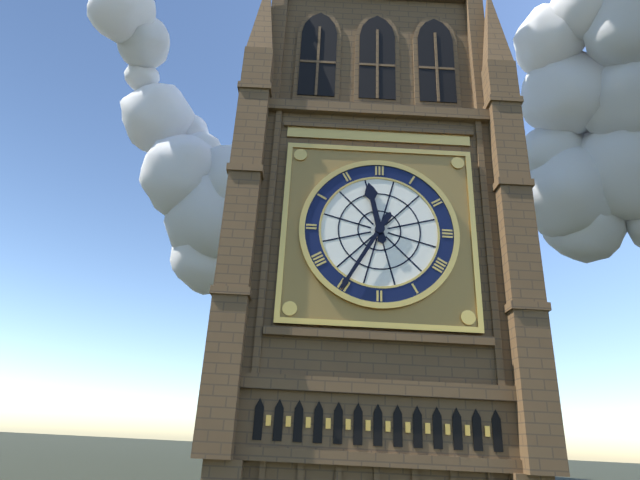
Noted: 11,35
